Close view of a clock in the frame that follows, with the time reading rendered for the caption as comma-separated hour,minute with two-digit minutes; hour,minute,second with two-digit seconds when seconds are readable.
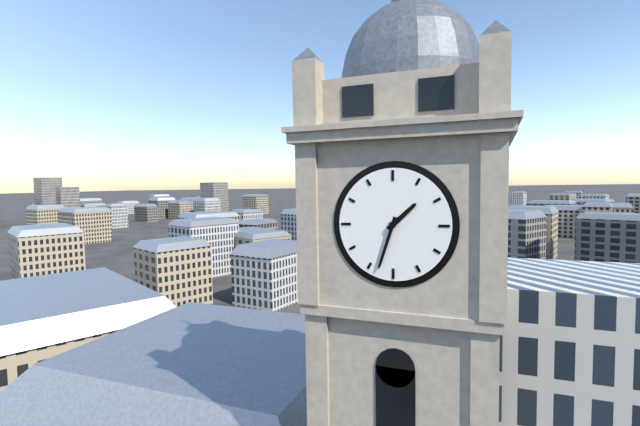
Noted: 1,33
